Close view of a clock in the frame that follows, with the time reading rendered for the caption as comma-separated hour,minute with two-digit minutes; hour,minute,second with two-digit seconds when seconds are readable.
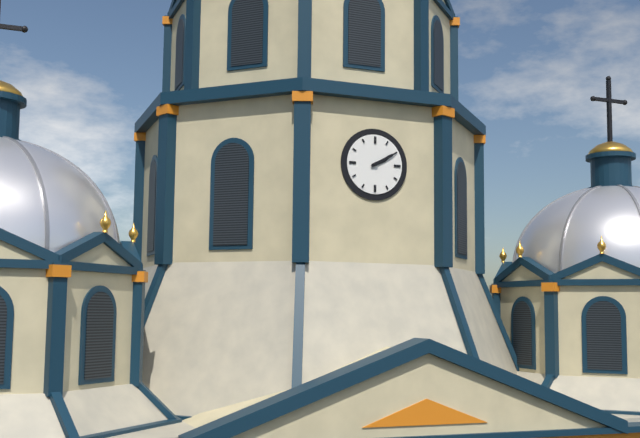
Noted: 2,10
